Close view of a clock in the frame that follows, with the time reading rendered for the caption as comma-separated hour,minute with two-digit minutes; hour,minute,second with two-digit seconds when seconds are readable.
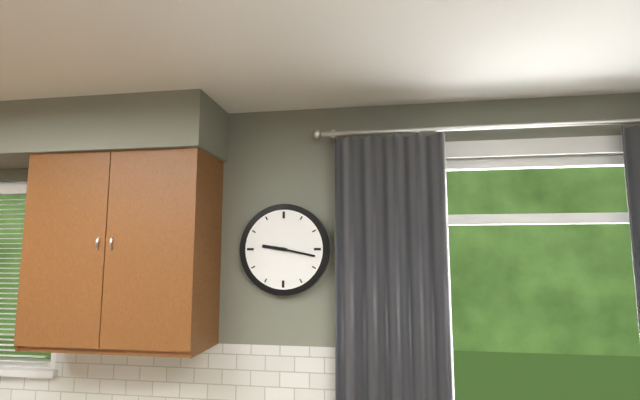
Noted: 9,17
